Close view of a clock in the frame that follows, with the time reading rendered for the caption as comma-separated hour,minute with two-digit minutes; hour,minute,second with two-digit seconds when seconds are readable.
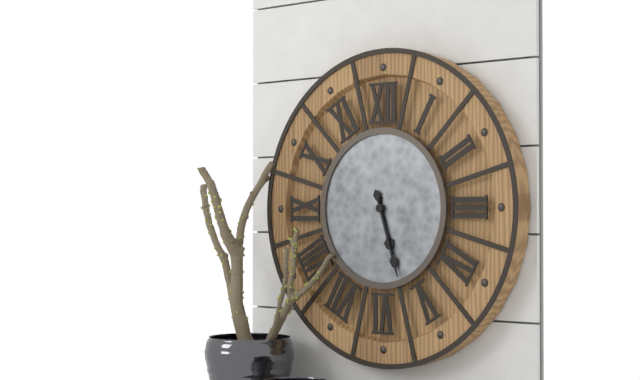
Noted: 5,27
